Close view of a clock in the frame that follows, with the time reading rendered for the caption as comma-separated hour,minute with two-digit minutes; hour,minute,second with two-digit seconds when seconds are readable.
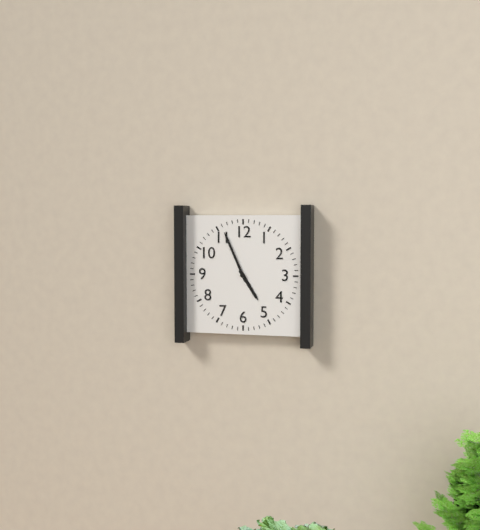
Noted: 4,56
